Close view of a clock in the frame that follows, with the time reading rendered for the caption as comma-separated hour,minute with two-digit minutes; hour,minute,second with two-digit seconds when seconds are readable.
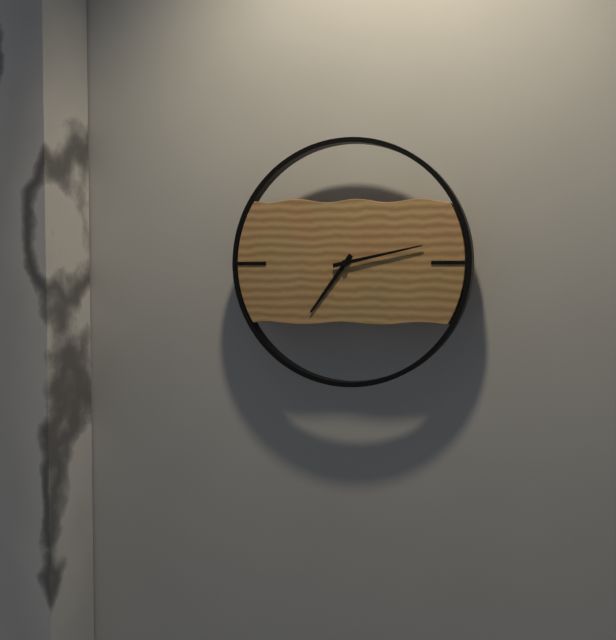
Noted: 7,13
